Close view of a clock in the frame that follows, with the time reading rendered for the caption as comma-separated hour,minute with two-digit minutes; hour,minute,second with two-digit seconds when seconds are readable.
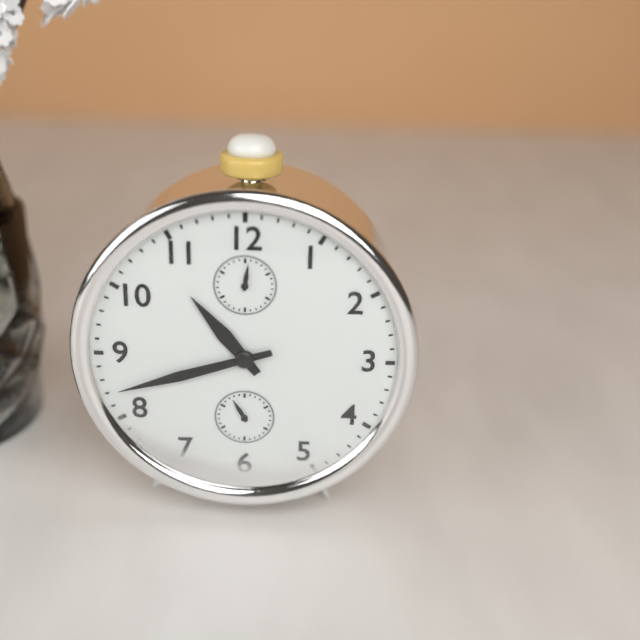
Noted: 10,42
